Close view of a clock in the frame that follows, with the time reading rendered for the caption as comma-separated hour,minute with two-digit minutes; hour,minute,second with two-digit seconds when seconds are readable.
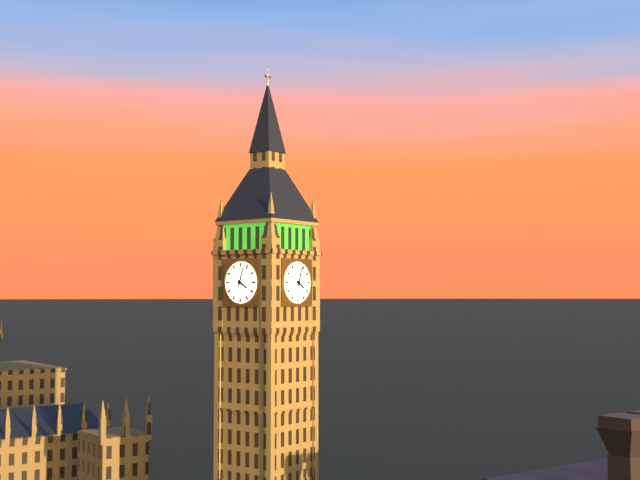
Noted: 4,03
